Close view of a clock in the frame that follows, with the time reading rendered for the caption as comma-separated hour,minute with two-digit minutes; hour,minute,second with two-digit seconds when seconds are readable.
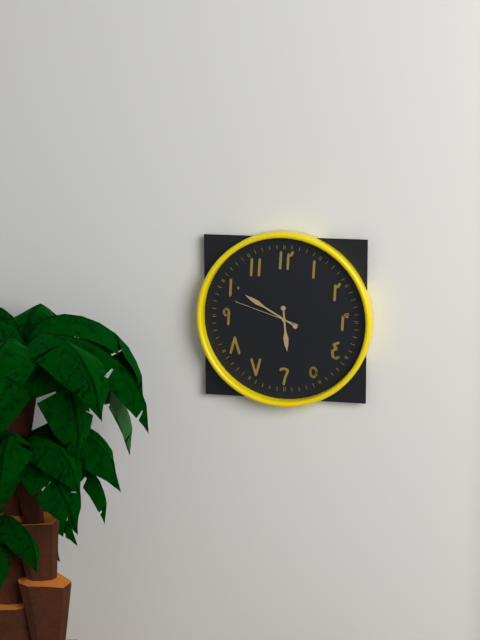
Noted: 5,50,48
